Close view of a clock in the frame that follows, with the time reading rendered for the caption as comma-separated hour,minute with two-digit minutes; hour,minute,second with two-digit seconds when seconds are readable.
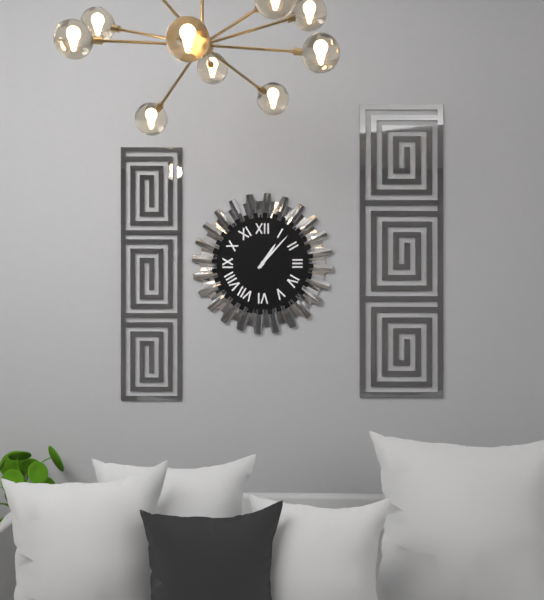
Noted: 1,07
